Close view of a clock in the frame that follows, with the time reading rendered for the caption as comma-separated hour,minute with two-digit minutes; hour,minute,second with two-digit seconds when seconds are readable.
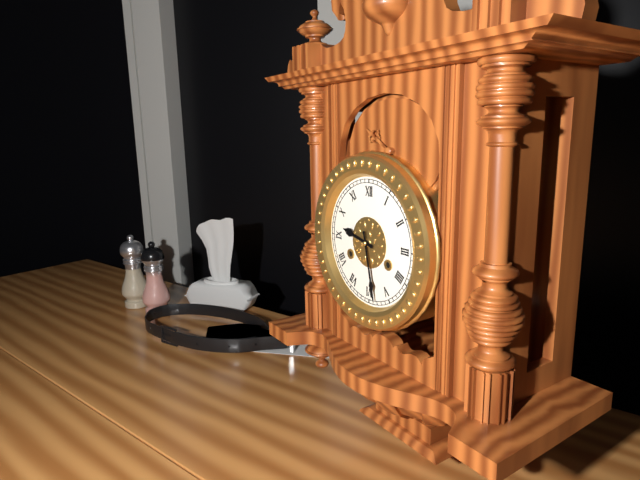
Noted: 9,28
